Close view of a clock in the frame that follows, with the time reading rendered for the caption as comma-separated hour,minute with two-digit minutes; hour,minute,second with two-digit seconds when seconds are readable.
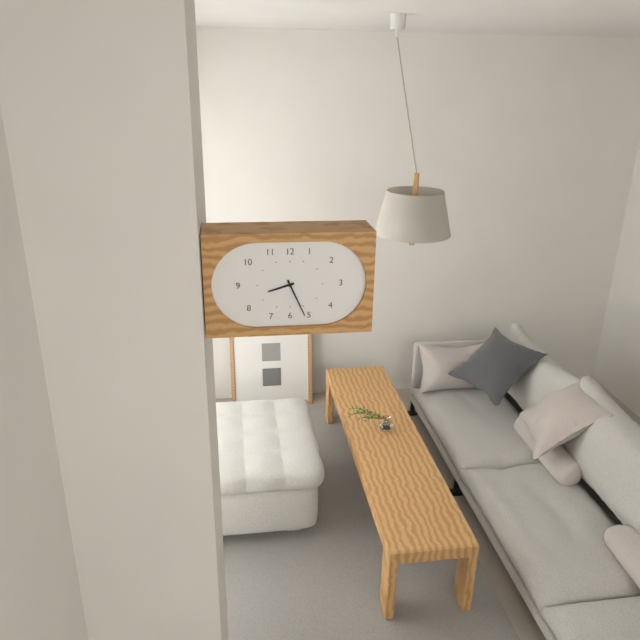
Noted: 8,26
